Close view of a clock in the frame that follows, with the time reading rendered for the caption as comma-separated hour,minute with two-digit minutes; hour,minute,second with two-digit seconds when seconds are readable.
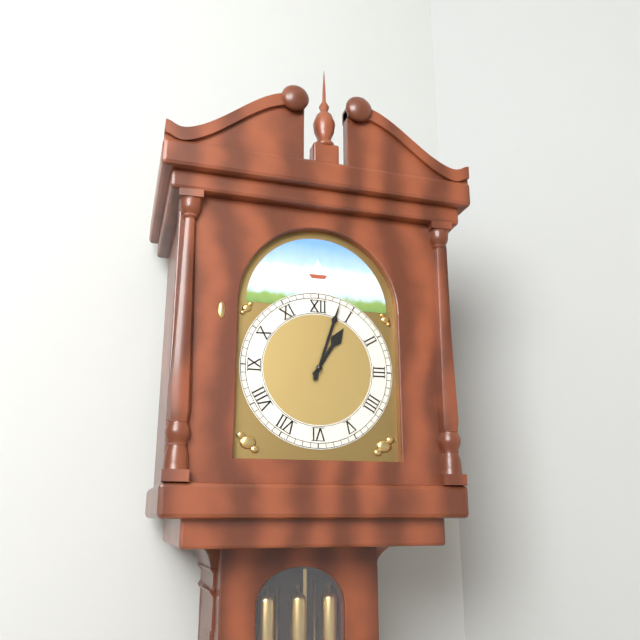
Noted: 1,03
